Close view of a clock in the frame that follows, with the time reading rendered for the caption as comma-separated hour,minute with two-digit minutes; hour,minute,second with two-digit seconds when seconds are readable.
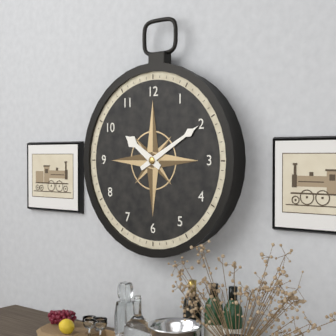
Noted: 10,10
